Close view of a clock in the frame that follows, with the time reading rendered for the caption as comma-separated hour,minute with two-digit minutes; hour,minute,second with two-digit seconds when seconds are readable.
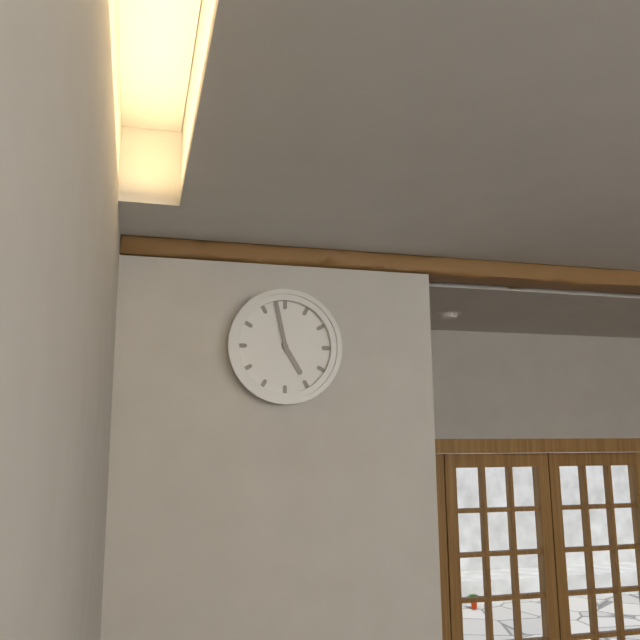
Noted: 4,58
